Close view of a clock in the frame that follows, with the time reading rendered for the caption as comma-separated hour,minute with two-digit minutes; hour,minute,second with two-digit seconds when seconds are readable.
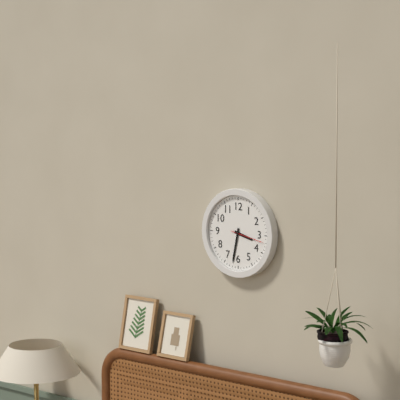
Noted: 3,32
